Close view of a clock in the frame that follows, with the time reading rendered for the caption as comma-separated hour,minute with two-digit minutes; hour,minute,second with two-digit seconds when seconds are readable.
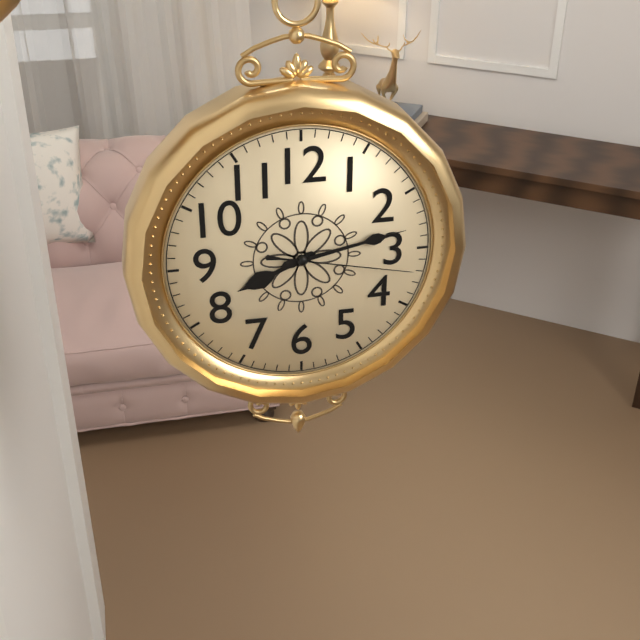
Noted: 8,13,17
